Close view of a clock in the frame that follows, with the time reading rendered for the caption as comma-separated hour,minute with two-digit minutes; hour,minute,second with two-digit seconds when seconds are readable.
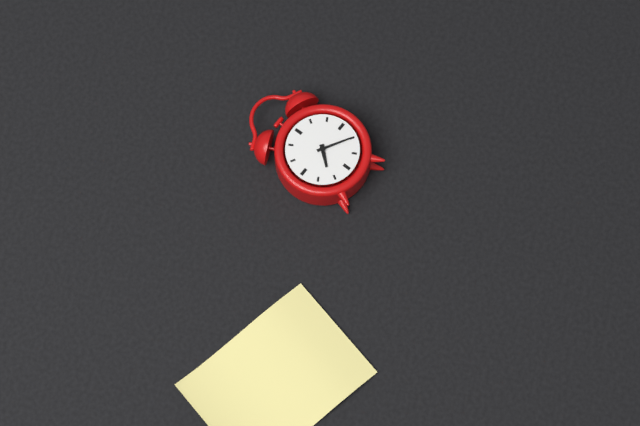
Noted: 7,20
